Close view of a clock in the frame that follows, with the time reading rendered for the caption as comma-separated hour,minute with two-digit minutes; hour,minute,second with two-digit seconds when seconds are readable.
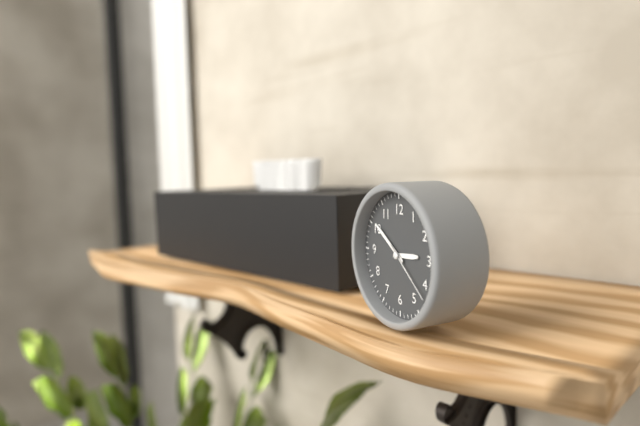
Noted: 2,51,22
